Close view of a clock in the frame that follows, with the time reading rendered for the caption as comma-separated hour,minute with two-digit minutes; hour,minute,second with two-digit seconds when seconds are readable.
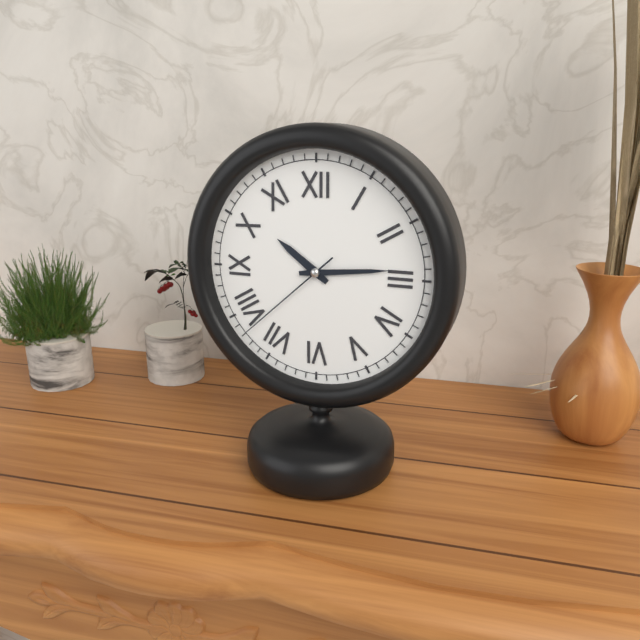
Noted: 10,14,38
